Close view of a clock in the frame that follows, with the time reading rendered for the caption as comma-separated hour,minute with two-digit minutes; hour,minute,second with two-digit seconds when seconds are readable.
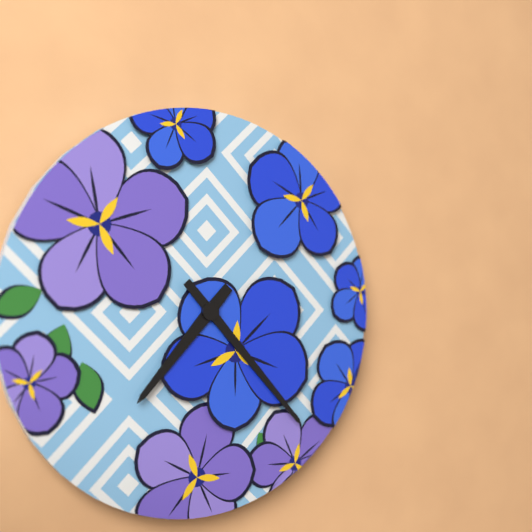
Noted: 7,23
